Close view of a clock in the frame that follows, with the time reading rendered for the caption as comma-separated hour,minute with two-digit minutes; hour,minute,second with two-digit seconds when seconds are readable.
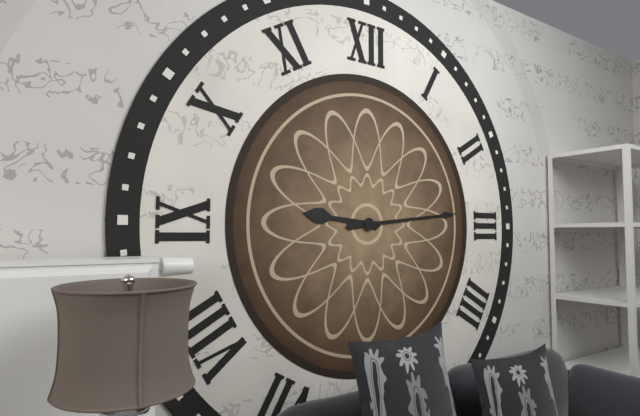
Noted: 9,14
